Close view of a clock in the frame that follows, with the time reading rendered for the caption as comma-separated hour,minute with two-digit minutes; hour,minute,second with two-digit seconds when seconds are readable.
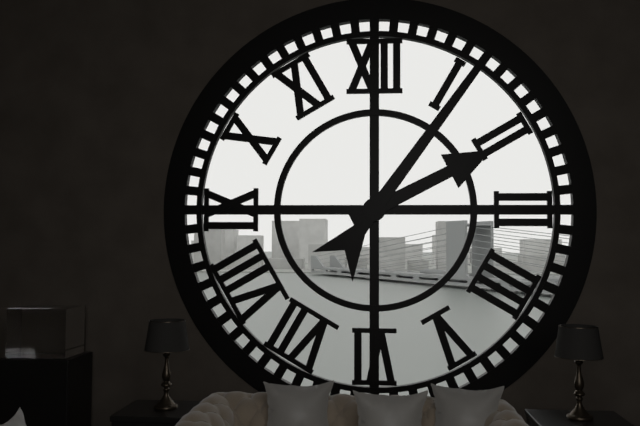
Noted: 2,06
